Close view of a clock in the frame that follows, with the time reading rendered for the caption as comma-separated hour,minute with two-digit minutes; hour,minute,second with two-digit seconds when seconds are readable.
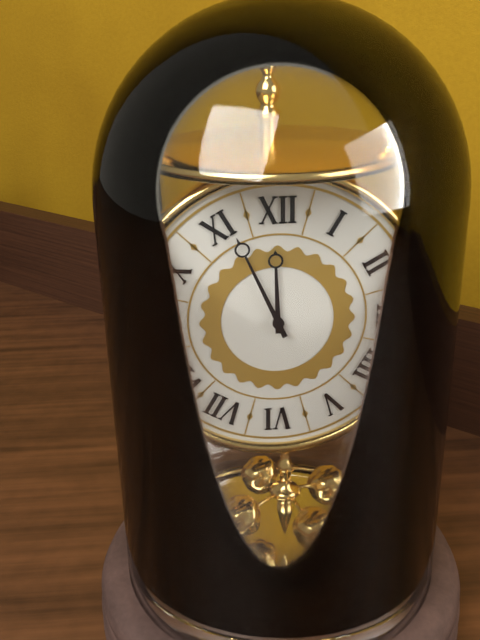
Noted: 11,56
